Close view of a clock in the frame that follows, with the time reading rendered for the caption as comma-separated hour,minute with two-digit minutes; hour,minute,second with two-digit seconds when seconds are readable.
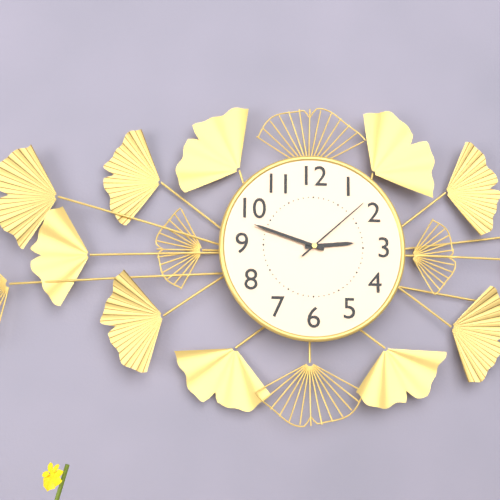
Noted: 2,48,08
